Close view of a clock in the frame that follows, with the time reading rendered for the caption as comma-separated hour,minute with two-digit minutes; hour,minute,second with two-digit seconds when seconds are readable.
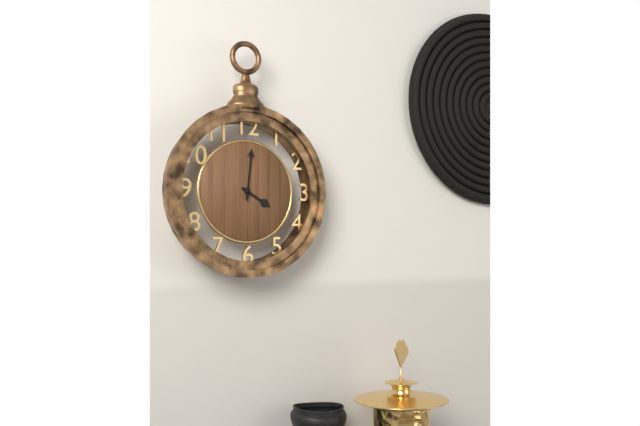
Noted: 4,01
